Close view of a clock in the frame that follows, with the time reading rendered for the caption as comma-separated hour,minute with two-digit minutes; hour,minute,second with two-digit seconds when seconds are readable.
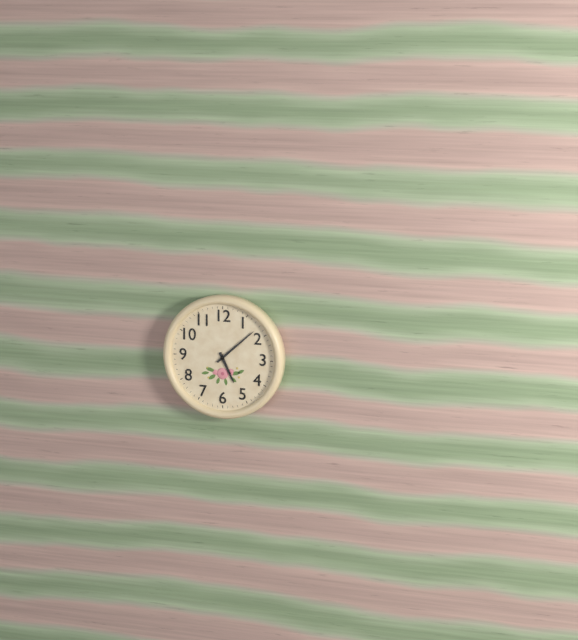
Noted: 5,08
